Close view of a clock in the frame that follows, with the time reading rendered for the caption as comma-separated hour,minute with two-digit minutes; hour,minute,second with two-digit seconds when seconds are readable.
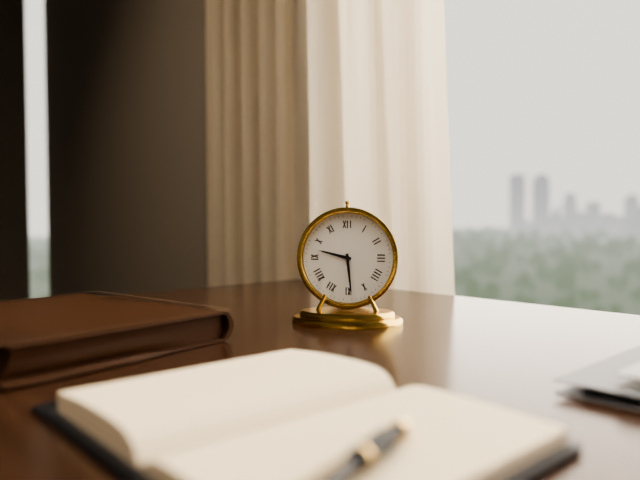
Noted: 9,29
